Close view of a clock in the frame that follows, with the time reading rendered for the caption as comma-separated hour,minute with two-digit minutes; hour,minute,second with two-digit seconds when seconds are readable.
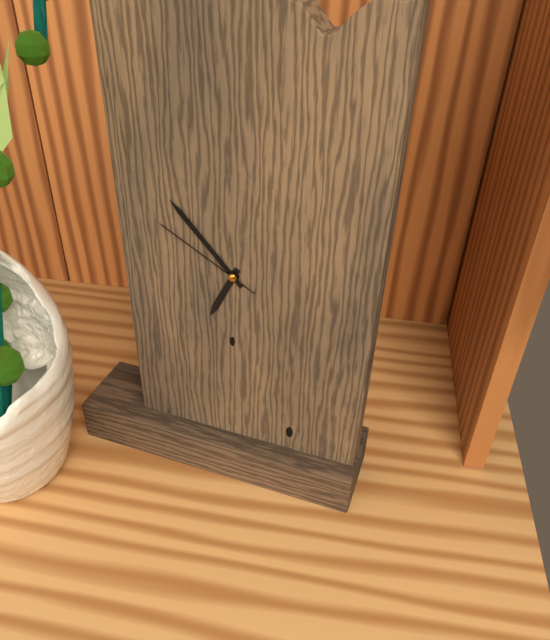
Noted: 6,53,50
